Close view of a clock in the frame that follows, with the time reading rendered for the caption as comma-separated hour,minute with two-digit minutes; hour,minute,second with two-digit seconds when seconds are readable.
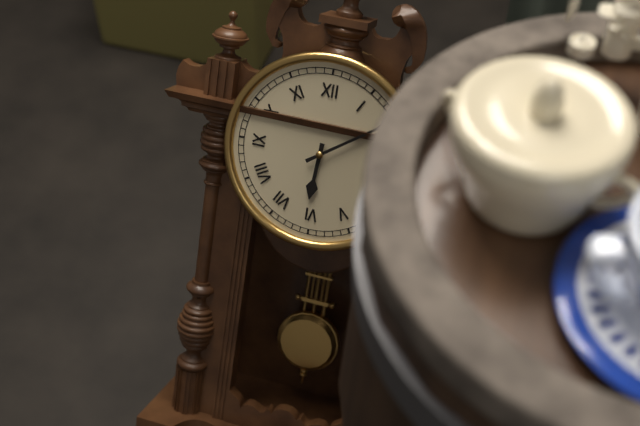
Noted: 6,09
